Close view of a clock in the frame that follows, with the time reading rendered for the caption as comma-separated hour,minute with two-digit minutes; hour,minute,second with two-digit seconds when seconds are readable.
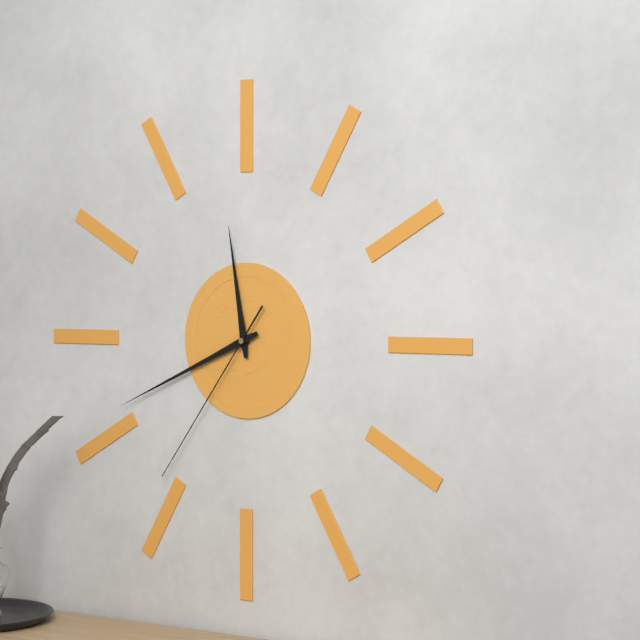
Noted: 11,41,36
